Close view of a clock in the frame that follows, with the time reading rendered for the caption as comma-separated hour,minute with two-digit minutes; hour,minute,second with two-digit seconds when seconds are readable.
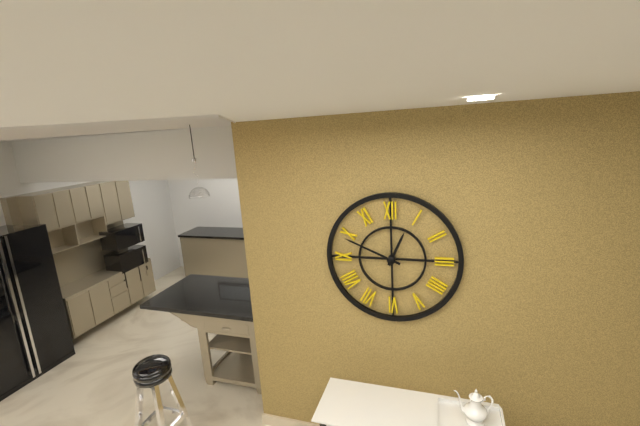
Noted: 12,49
